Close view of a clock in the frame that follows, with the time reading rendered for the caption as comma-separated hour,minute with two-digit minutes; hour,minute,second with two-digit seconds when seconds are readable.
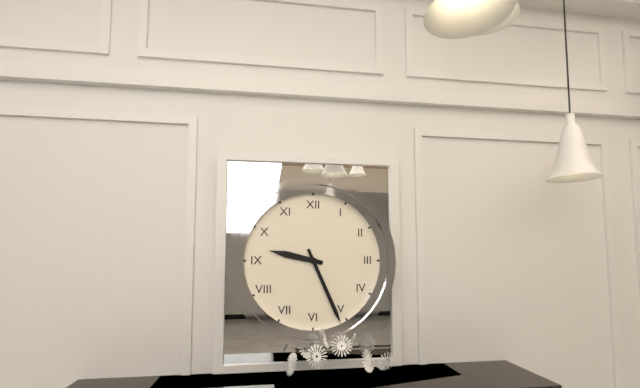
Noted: 9,26
